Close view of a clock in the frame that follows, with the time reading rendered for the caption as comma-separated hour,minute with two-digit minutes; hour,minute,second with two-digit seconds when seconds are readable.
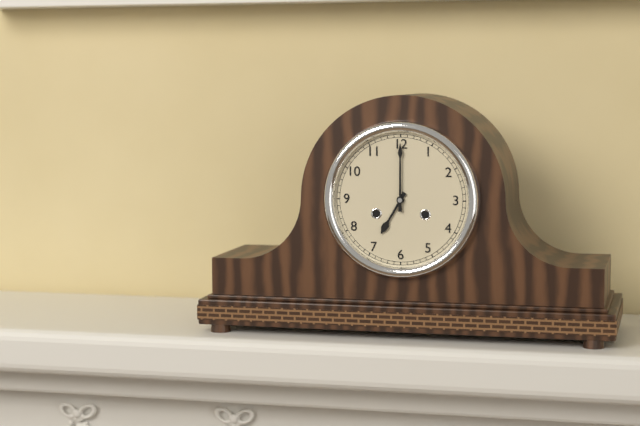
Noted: 7,00
